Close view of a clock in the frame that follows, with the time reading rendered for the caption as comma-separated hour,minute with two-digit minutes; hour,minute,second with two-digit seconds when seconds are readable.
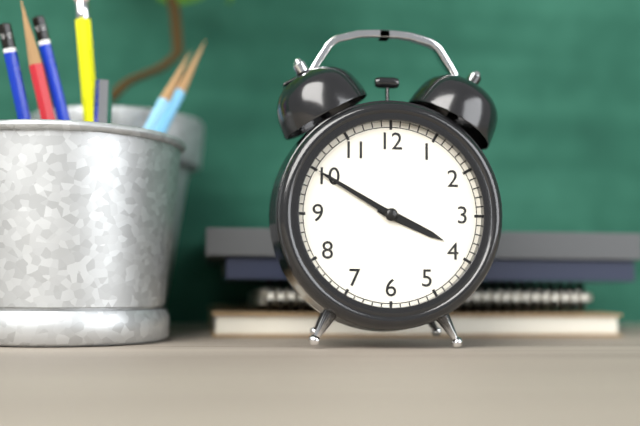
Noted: 3,50
